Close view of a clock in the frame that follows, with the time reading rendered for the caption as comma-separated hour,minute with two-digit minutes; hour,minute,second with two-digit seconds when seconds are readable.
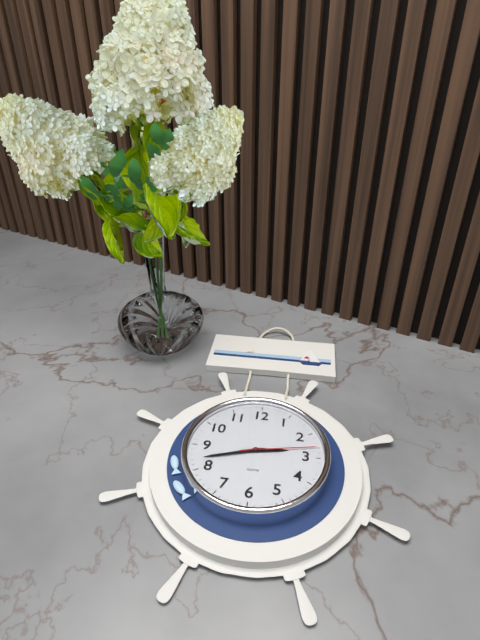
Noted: 2,42,13
